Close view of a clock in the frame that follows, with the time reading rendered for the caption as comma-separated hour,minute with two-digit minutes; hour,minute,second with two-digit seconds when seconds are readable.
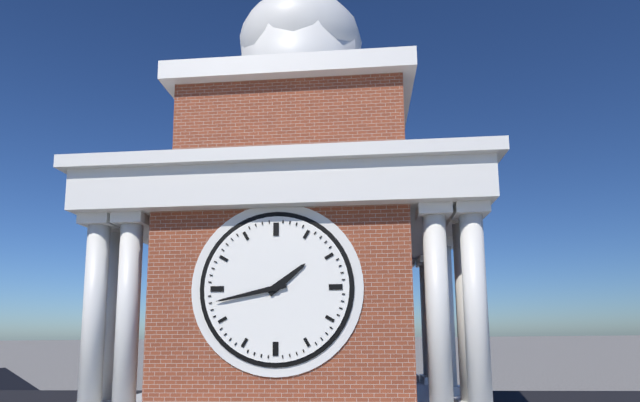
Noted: 1,43
